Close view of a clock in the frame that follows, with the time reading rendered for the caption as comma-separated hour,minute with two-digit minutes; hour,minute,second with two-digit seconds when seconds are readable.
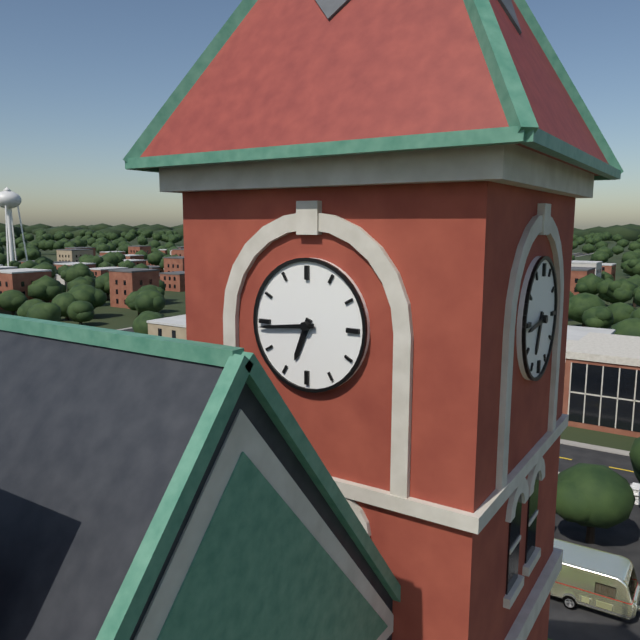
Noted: 6,44
